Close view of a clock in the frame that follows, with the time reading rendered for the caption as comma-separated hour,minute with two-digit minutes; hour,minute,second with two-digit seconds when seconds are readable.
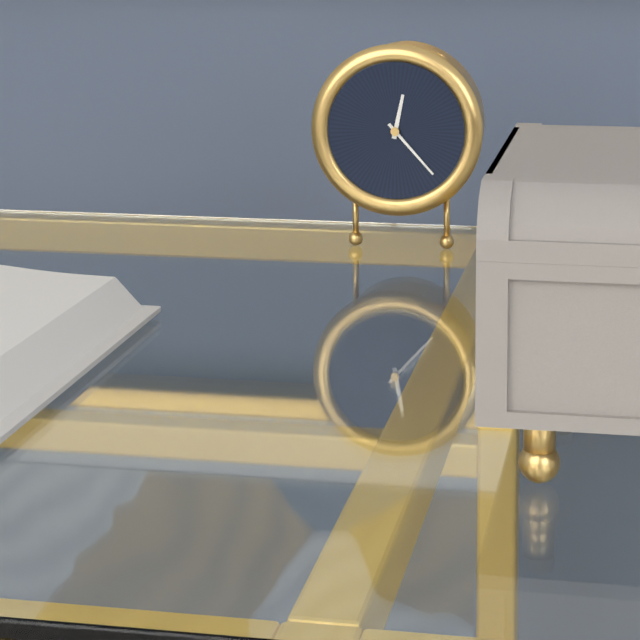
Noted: 12,23
